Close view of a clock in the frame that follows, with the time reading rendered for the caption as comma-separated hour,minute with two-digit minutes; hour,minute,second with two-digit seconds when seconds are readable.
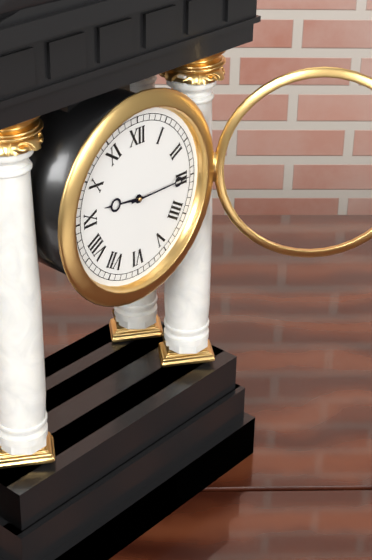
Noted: 9,15
